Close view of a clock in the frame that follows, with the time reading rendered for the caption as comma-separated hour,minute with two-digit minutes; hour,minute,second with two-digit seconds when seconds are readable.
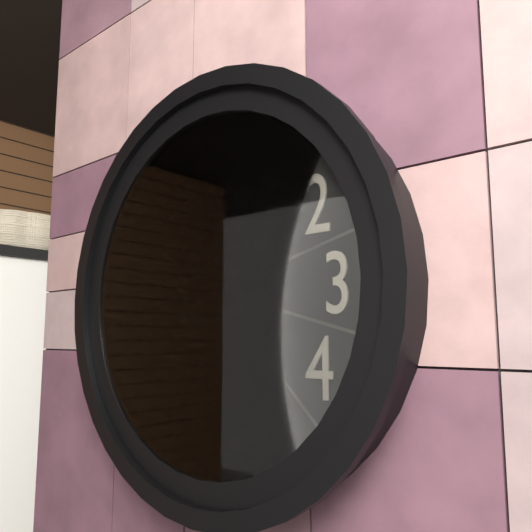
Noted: 7,25
